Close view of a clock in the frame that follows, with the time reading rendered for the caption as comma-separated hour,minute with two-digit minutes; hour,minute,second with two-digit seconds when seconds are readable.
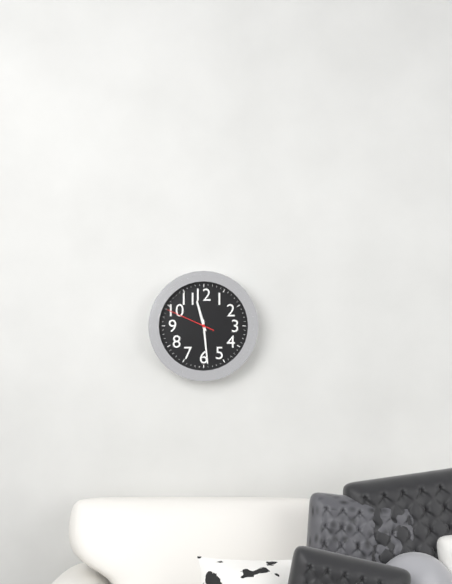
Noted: 11,29
